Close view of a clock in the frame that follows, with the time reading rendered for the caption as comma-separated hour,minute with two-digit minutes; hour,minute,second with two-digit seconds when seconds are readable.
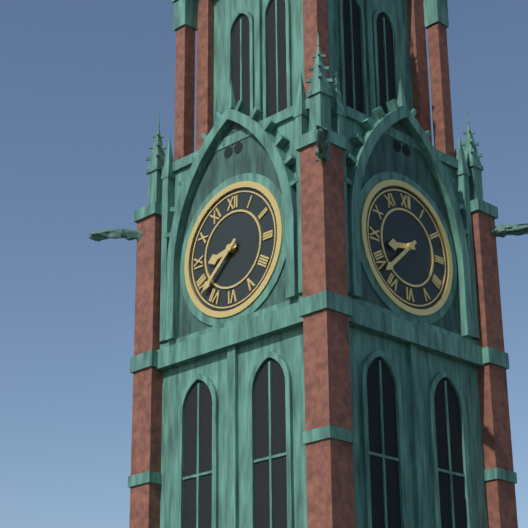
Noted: 8,38
